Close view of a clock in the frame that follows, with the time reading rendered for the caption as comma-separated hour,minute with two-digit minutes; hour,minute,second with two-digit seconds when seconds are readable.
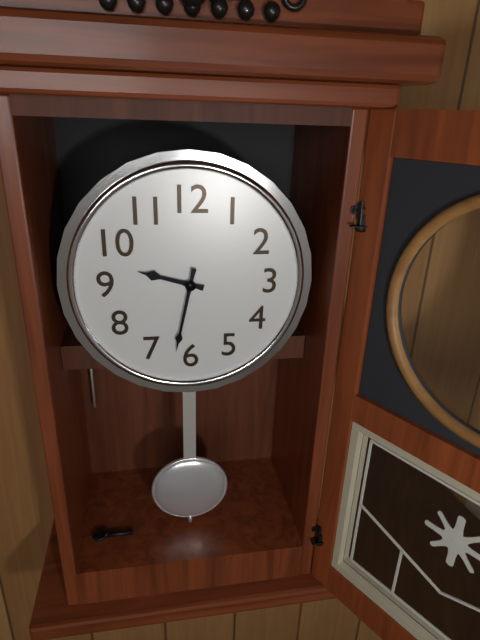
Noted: 9,32
